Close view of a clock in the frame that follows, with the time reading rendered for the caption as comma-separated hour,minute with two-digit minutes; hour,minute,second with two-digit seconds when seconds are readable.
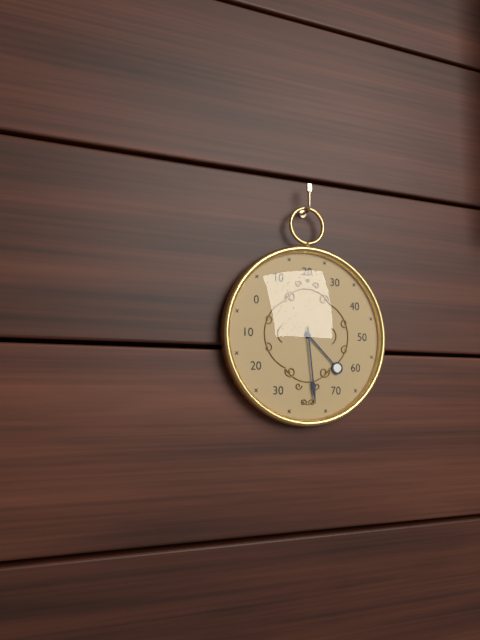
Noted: 4,29
